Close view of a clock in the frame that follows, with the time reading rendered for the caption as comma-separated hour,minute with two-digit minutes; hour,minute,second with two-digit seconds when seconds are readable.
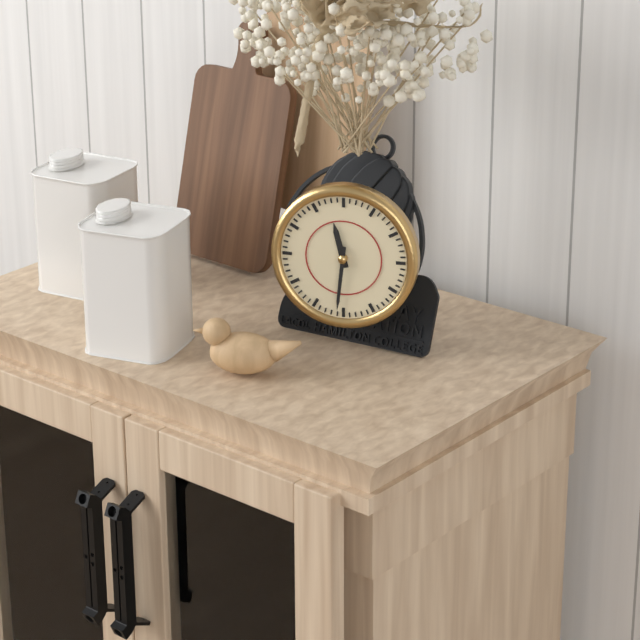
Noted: 11,31
